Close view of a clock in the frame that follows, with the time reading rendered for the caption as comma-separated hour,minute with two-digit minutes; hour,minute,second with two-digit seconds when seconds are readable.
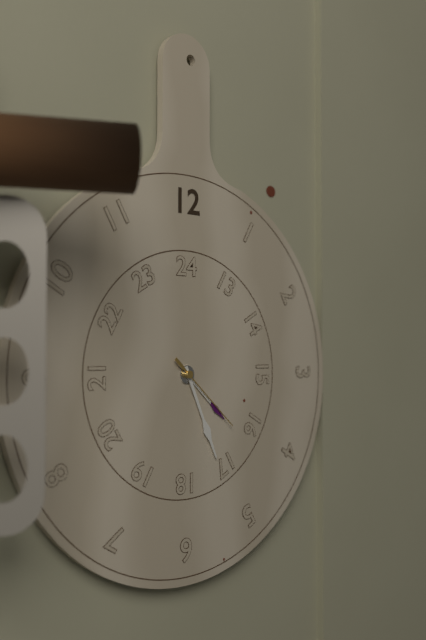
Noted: 4,26,22
